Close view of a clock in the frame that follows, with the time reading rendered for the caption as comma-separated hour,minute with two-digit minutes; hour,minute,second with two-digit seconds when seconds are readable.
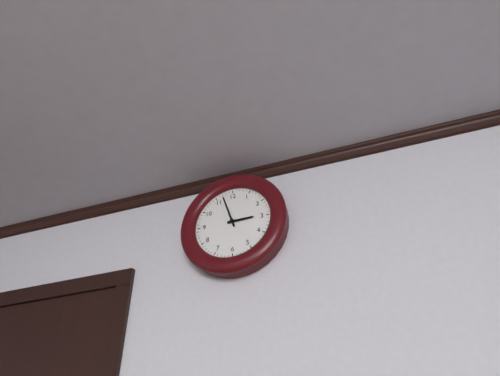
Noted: 2,57
